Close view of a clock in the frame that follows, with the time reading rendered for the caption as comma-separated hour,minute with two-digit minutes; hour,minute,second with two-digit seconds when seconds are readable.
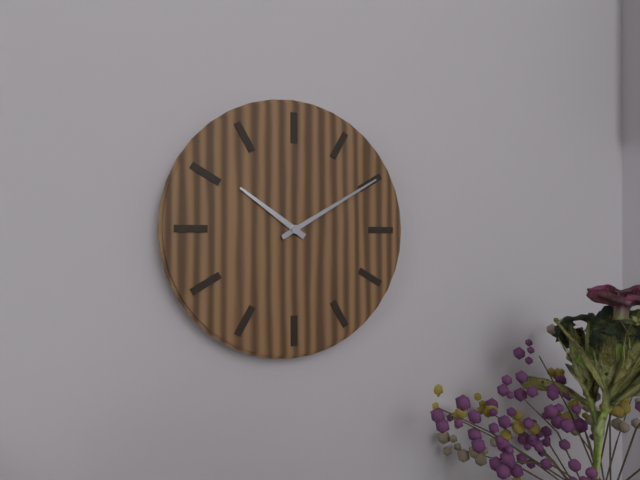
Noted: 10,10
